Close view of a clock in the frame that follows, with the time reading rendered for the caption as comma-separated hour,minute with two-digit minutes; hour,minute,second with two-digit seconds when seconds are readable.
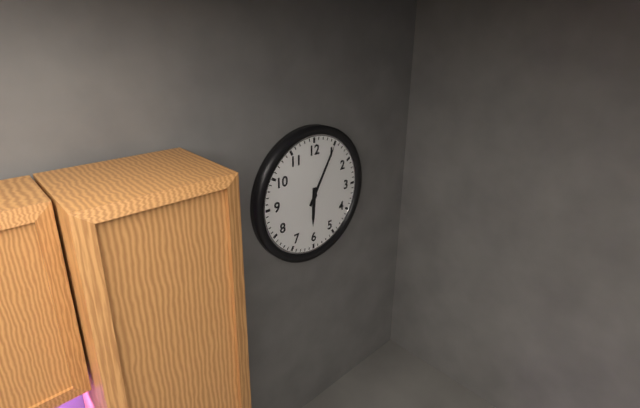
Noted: 6,05
